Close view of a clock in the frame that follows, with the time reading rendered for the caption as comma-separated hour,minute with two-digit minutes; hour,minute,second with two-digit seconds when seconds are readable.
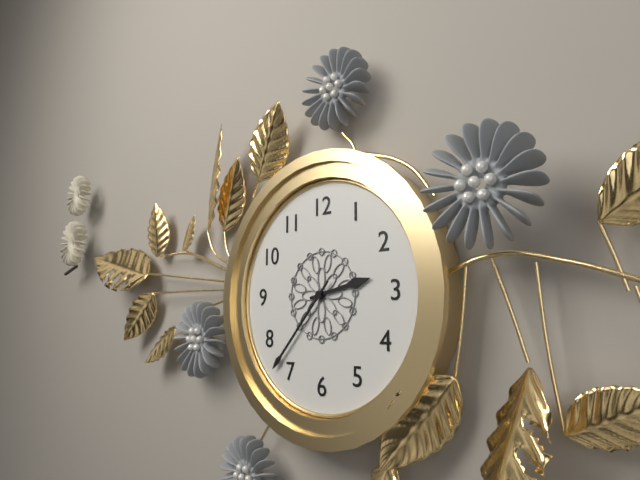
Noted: 2,37
